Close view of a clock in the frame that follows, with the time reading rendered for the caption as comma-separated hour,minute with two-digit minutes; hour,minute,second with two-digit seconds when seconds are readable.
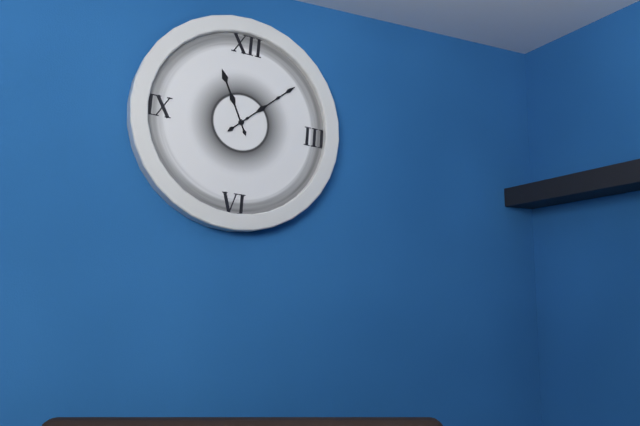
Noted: 11,08
